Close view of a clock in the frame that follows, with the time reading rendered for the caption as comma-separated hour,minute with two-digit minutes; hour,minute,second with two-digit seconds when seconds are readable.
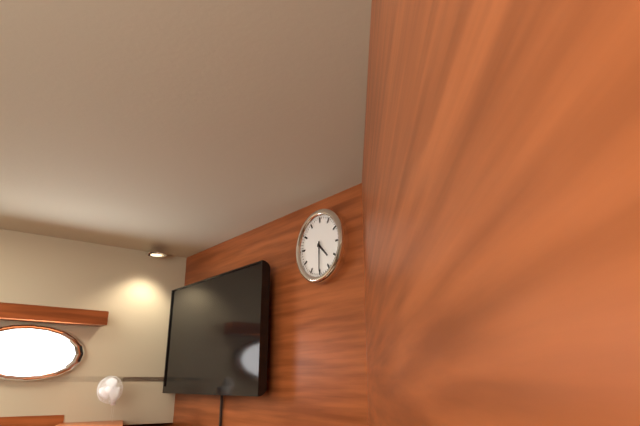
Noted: 4,30
